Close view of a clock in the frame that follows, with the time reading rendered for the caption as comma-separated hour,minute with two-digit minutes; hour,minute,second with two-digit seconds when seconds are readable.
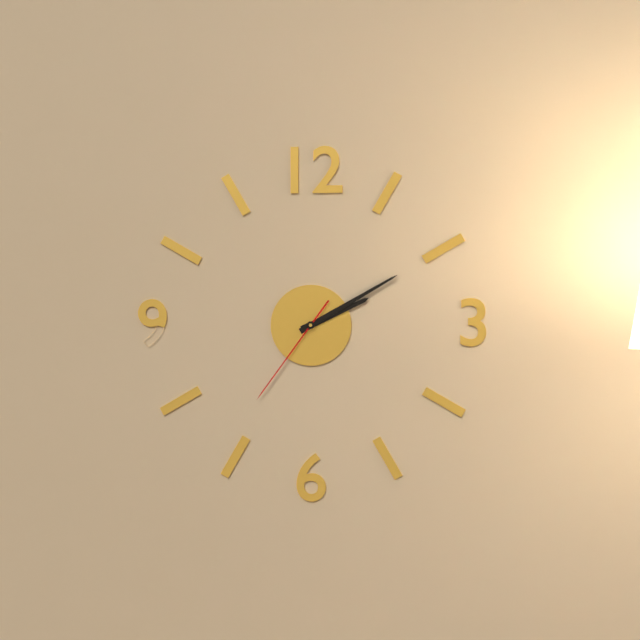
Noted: 2,10,36
